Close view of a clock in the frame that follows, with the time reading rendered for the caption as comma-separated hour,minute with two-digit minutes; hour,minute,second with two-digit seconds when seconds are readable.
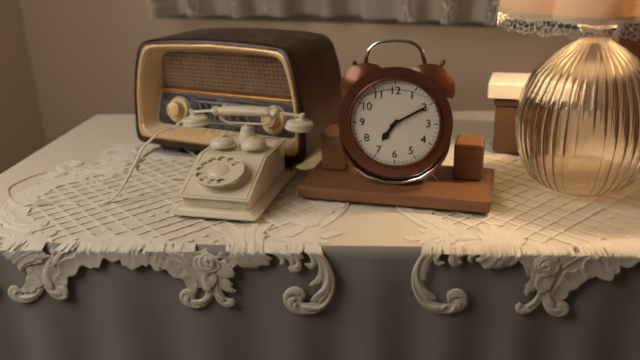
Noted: 7,10
